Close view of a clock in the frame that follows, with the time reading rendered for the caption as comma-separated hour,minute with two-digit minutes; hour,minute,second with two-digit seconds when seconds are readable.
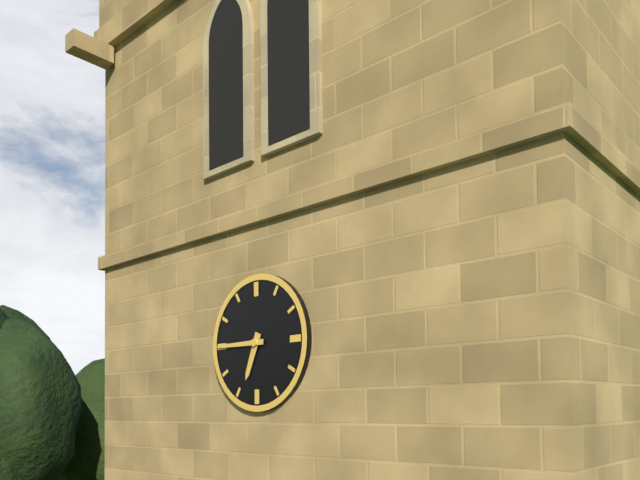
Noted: 6,45
